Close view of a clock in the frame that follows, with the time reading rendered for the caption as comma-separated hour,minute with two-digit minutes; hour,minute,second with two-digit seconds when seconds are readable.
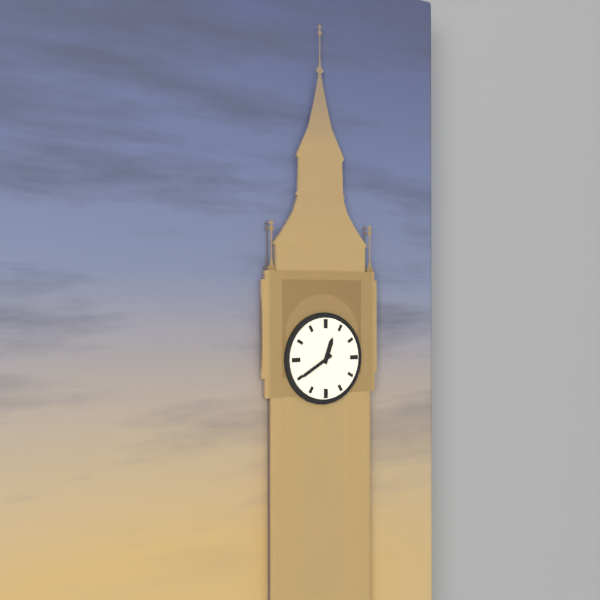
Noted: 12,40
